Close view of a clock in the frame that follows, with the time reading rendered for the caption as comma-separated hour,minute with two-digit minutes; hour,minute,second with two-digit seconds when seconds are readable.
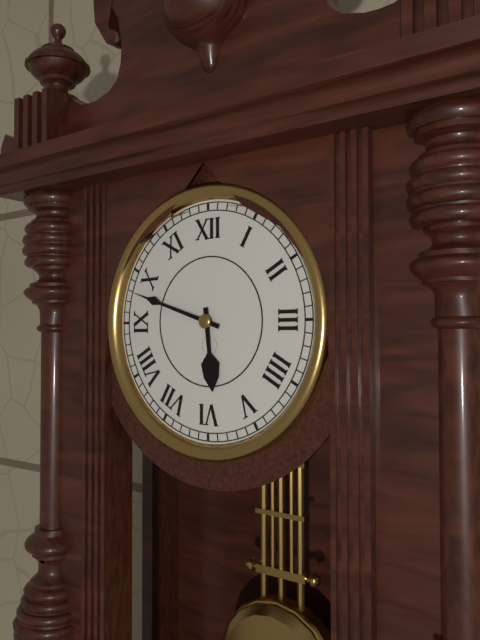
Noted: 5,48
